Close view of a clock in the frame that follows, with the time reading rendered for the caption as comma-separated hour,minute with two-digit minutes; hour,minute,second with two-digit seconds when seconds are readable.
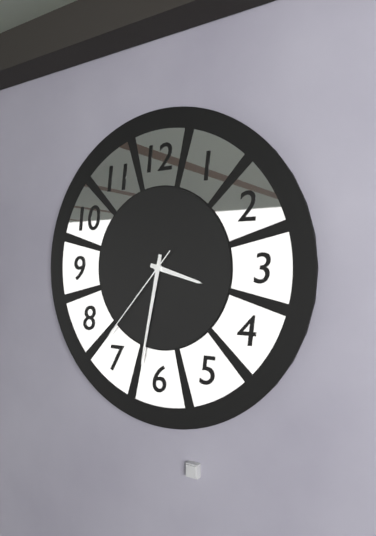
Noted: 3,32,37
